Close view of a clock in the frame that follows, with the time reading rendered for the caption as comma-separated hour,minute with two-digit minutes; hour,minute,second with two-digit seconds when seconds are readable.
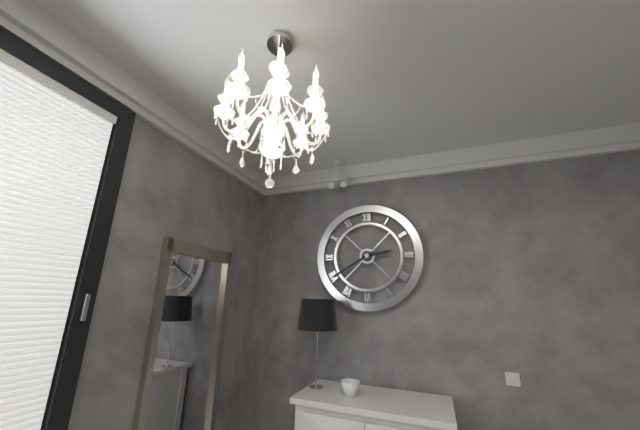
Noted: 2,40
